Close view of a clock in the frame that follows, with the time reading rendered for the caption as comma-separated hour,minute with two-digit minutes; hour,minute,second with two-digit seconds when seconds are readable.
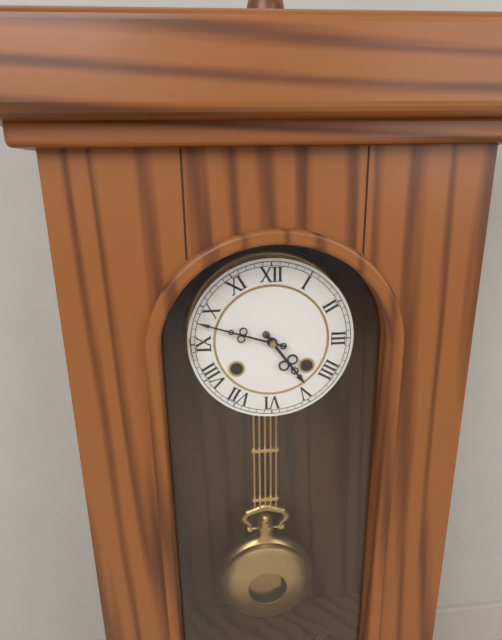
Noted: 4,48
